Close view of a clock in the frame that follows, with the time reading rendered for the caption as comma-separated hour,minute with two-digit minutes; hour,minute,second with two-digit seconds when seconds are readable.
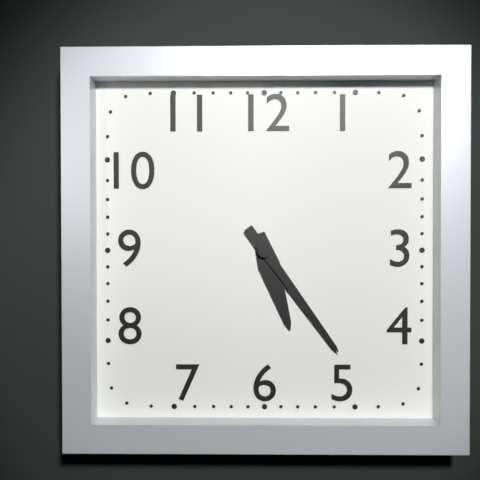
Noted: 5,24
